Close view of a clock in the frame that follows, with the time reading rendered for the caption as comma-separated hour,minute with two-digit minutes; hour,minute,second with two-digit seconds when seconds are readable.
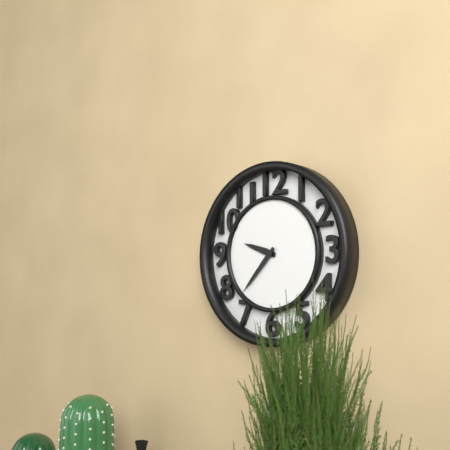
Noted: 9,37
